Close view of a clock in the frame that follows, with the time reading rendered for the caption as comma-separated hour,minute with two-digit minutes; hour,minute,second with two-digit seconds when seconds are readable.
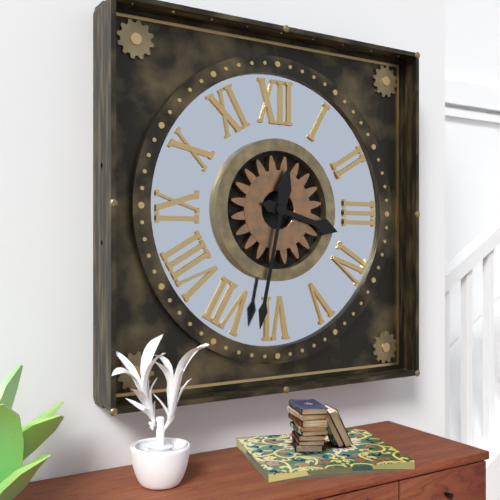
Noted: 3,32
